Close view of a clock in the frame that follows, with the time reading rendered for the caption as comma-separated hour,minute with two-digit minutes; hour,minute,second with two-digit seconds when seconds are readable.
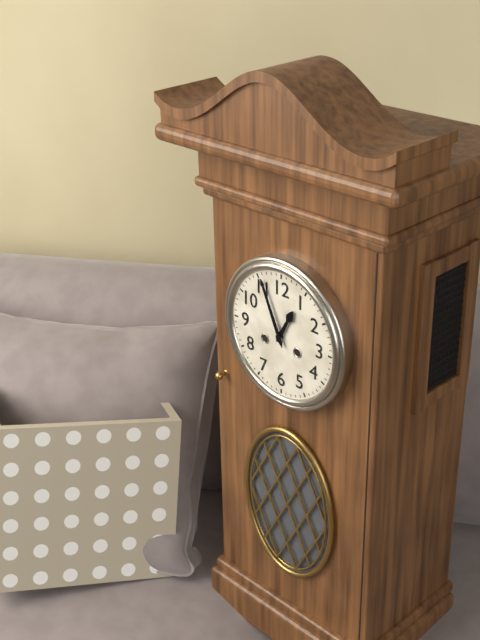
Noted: 12,56
